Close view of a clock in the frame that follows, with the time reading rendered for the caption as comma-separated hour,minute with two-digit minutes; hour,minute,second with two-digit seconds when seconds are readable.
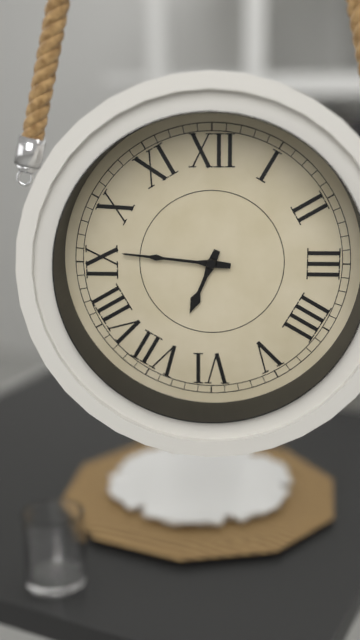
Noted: 6,46
